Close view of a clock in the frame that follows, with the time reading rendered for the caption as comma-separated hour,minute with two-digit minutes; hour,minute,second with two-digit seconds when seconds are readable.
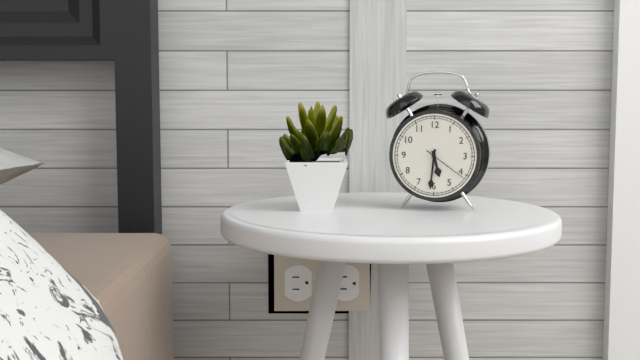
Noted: 5,31
